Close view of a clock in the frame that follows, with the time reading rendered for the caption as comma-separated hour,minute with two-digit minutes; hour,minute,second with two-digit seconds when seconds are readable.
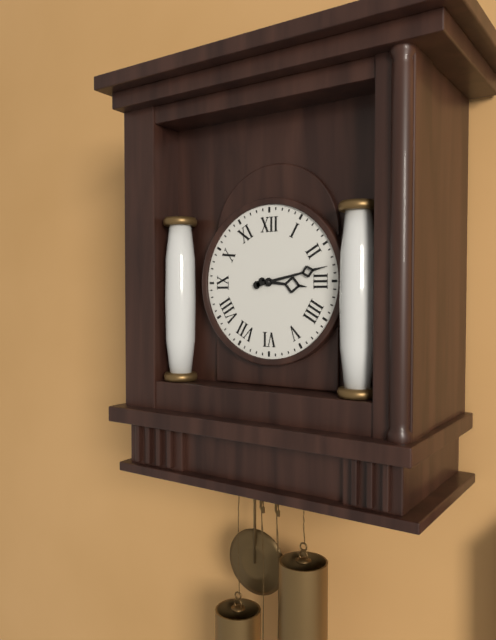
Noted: 3,13
